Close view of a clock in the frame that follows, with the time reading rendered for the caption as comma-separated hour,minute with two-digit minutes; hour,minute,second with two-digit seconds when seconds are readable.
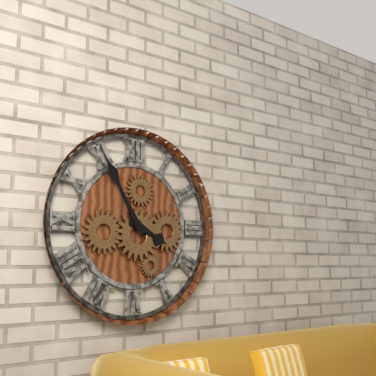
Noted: 3,55
